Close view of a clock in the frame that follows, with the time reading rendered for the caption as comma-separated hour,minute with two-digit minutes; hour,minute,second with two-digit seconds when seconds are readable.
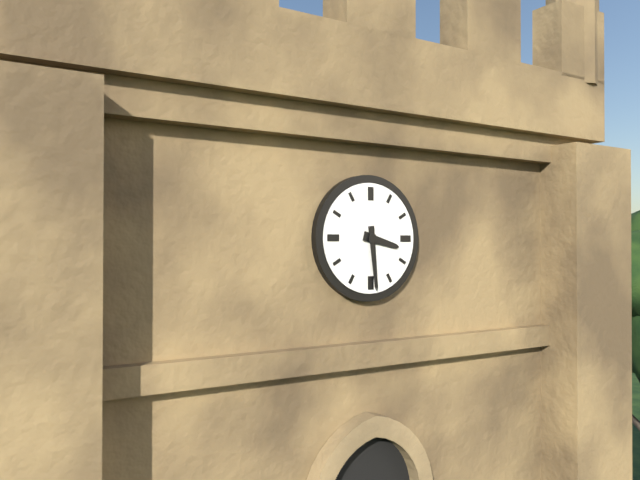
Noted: 3,29
